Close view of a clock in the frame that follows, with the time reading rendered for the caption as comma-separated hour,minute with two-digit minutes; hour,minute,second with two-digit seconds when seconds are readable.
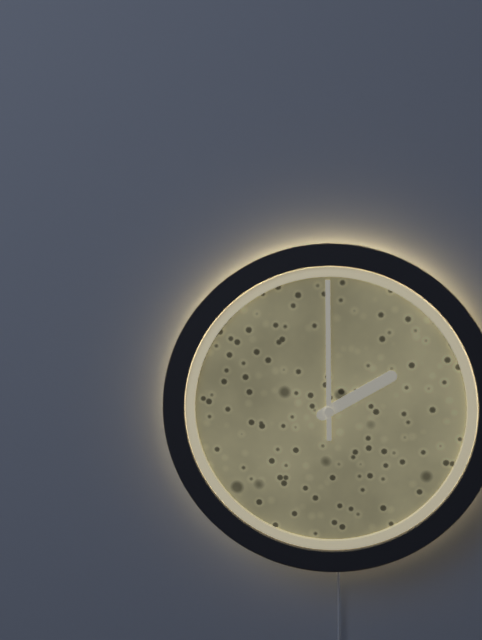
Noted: 2,00
